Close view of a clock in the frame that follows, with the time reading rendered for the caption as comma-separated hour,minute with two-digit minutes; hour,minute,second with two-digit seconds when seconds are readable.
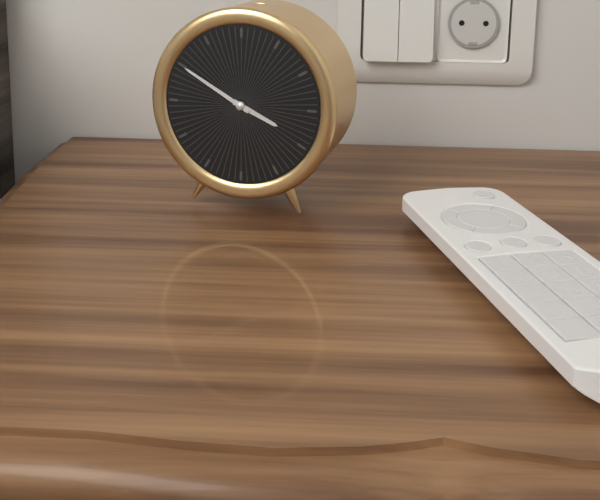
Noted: 3,50
